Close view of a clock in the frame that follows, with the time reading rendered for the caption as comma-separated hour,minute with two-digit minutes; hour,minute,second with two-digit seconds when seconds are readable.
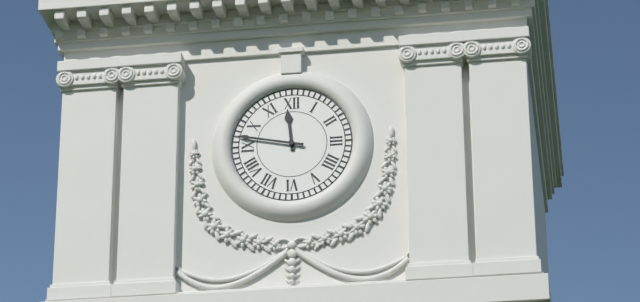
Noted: 11,47
